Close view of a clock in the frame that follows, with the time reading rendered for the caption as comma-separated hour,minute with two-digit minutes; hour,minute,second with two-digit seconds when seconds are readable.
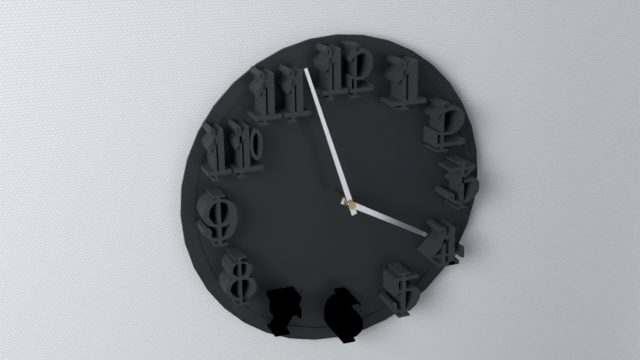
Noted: 3,57
